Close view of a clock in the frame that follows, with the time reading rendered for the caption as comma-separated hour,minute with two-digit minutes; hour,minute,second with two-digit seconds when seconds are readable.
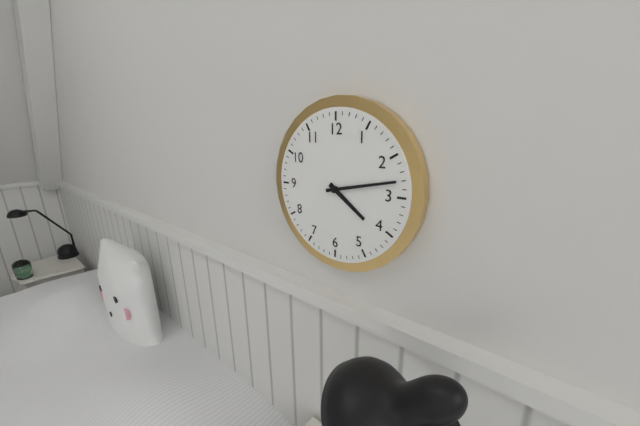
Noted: 4,13
